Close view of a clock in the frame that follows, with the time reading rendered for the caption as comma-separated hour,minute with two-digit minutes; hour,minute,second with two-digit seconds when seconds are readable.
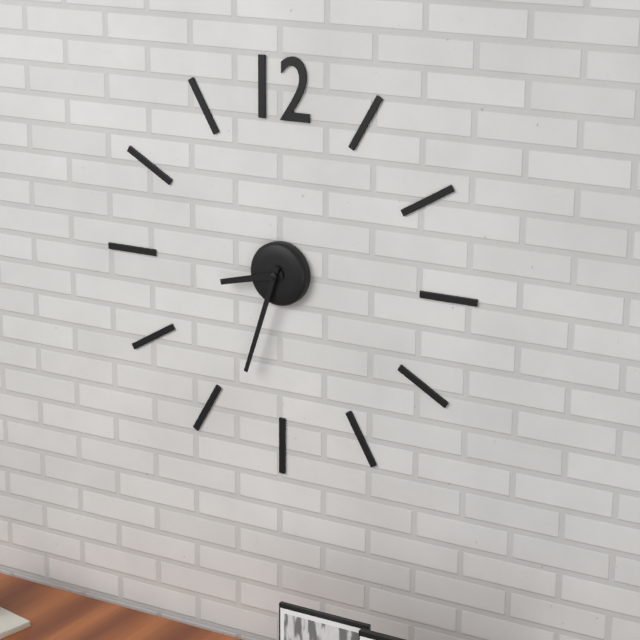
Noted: 8,33
